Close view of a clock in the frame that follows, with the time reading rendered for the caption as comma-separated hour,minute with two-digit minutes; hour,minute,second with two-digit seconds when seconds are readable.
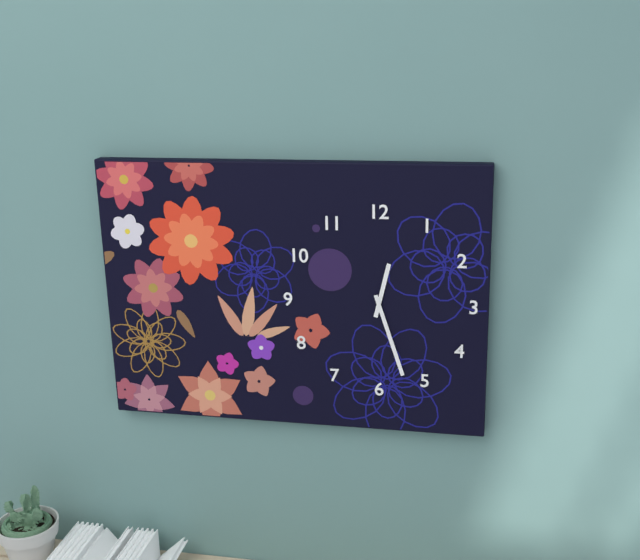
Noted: 12,27
